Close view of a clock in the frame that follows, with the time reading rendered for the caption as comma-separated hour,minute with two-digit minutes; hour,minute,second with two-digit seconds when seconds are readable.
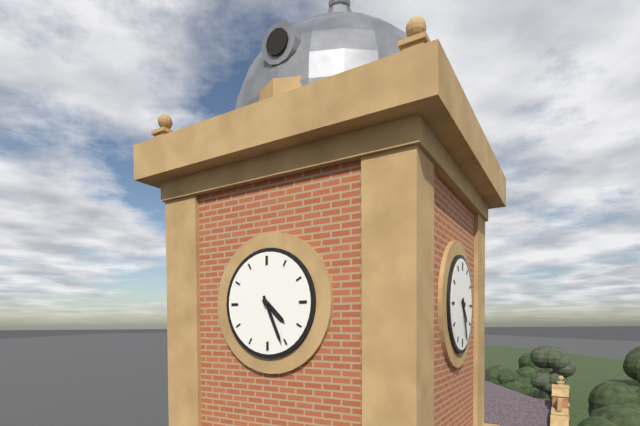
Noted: 4,26
